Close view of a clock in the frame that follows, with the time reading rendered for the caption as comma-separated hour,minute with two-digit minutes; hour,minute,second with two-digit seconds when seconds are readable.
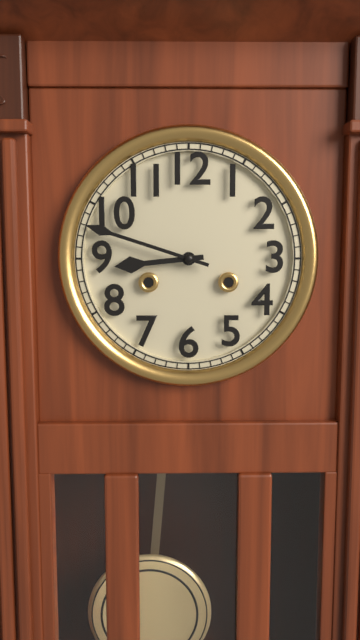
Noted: 8,48
